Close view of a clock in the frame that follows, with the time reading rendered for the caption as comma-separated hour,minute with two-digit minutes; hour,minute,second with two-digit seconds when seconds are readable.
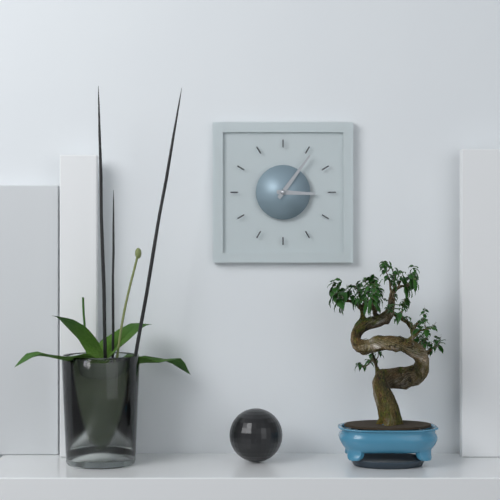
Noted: 3,06
